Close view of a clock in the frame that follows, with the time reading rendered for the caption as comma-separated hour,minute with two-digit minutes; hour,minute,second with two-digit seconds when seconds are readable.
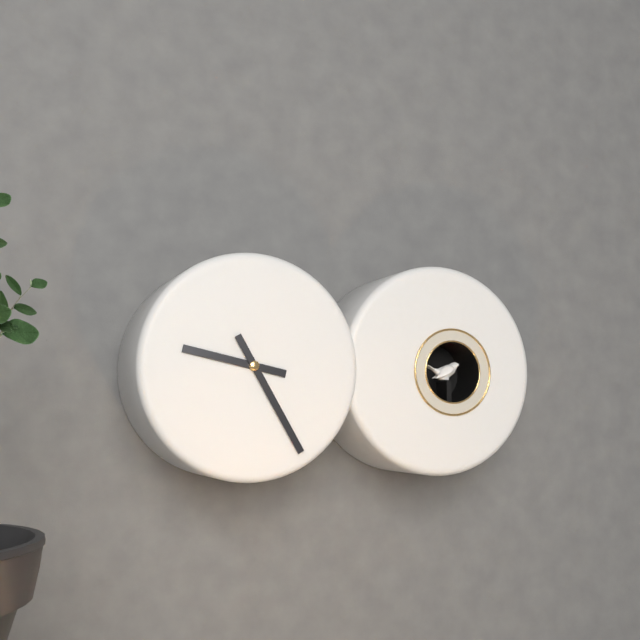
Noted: 9,25
